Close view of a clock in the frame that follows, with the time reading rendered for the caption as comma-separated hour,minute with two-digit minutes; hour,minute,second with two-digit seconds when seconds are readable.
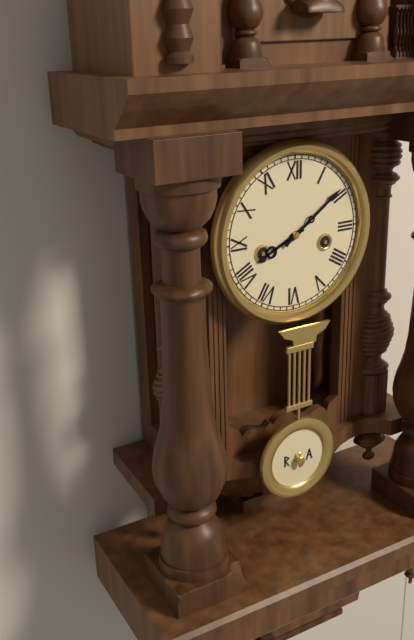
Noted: 8,09
